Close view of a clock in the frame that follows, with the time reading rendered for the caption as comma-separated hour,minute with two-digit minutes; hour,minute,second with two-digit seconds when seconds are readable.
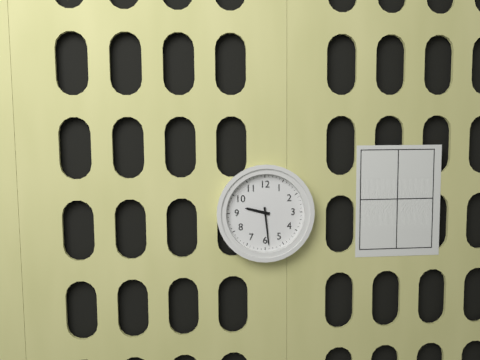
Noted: 9,29
